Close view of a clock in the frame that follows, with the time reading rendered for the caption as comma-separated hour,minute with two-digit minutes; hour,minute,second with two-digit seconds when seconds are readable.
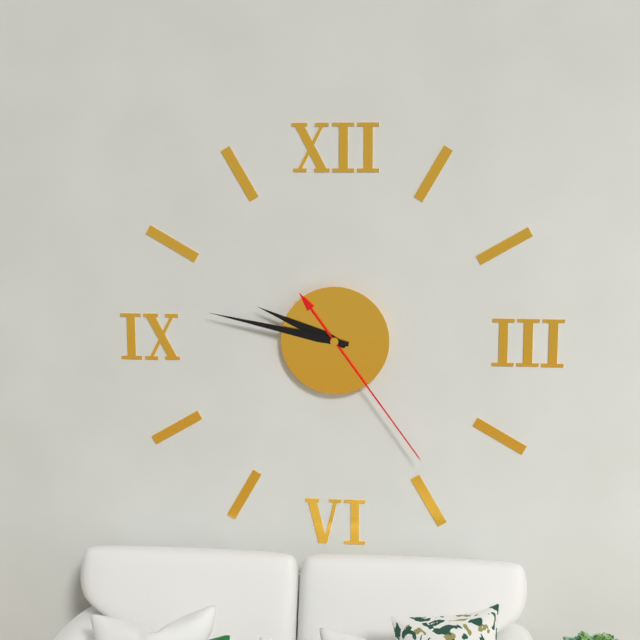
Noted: 9,47,24
